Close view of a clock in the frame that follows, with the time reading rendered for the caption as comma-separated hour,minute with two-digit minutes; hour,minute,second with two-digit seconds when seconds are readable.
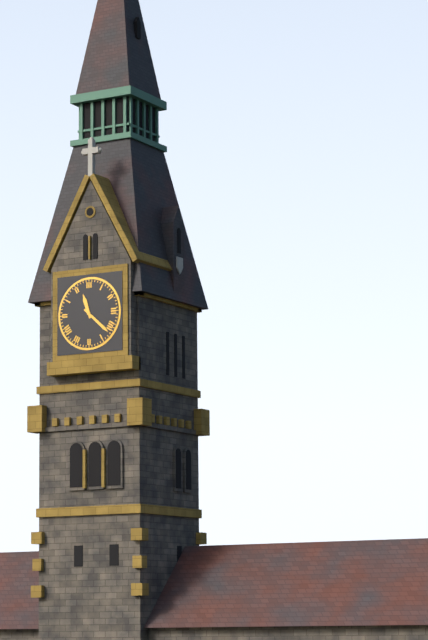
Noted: 11,22
